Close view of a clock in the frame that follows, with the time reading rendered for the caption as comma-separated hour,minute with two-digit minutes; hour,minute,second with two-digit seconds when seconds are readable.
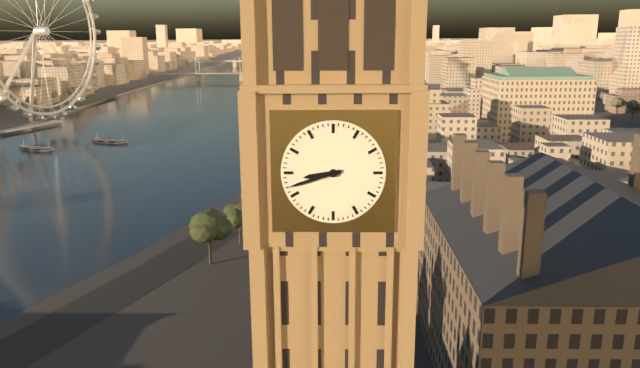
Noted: 8,42
